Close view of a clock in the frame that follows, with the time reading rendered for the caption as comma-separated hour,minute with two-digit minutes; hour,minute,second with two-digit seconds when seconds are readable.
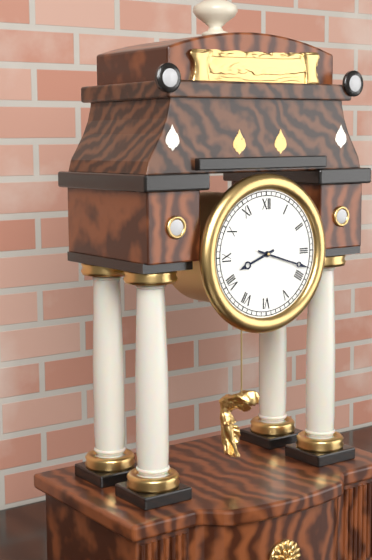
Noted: 8,18
